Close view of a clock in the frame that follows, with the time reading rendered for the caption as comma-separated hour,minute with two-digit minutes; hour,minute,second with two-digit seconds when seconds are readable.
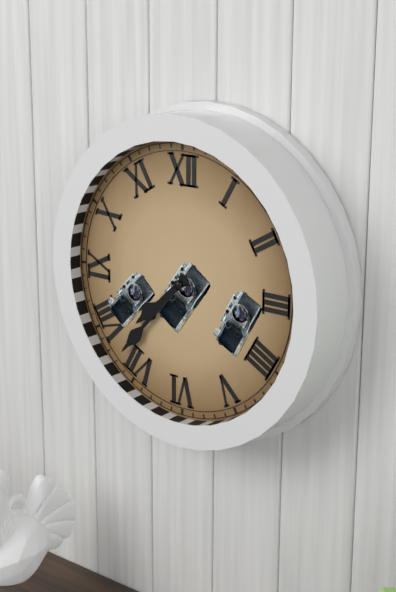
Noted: 7,37
